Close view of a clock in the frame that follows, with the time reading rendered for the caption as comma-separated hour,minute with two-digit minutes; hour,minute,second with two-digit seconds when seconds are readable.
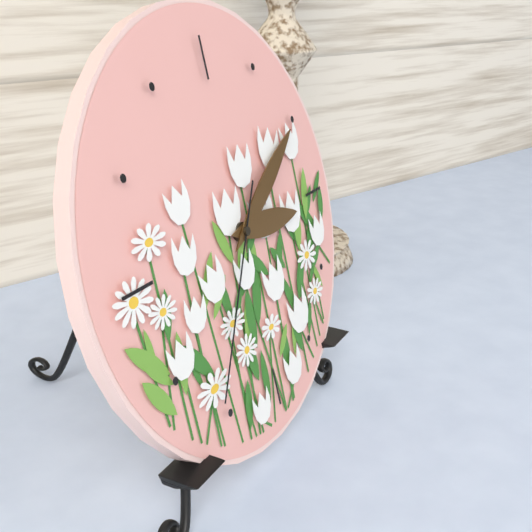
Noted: 3,10,36
